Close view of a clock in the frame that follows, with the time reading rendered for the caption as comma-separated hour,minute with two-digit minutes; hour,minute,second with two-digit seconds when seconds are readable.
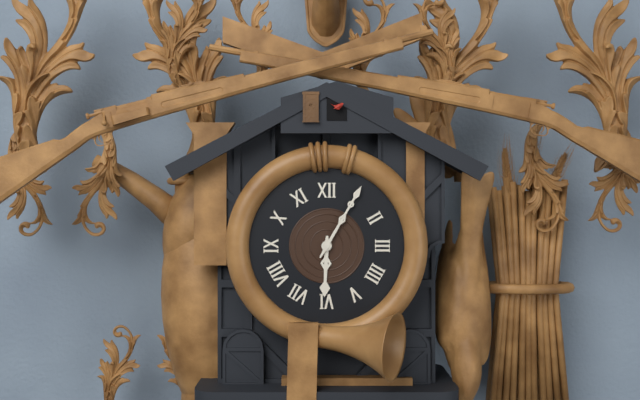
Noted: 6,05
